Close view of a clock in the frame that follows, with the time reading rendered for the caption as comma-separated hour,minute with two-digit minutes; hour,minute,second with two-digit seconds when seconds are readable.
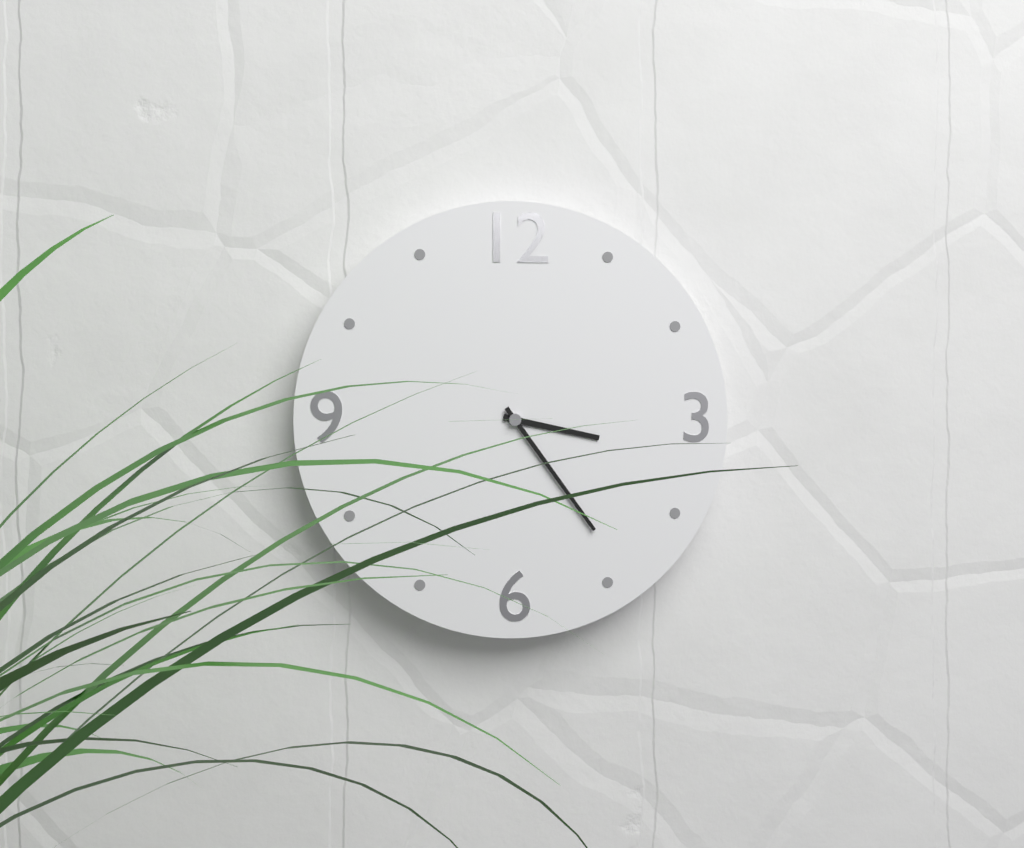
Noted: 3,24
